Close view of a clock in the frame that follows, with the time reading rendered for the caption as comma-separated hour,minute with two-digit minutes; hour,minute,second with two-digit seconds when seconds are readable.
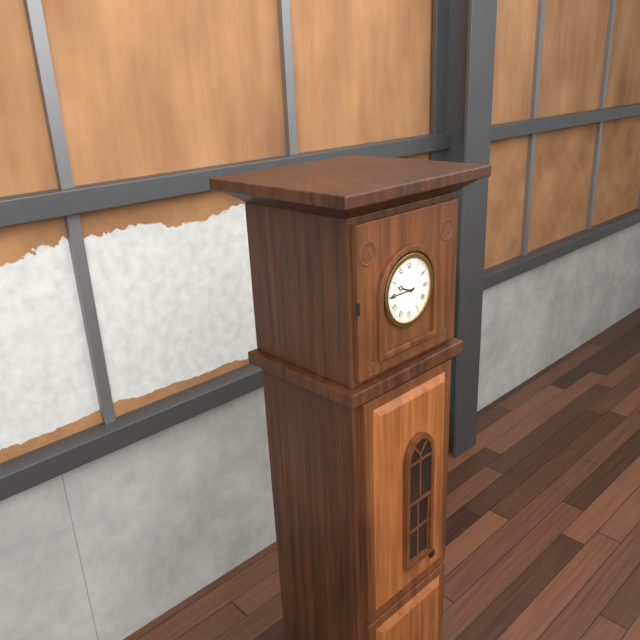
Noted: 9,45
